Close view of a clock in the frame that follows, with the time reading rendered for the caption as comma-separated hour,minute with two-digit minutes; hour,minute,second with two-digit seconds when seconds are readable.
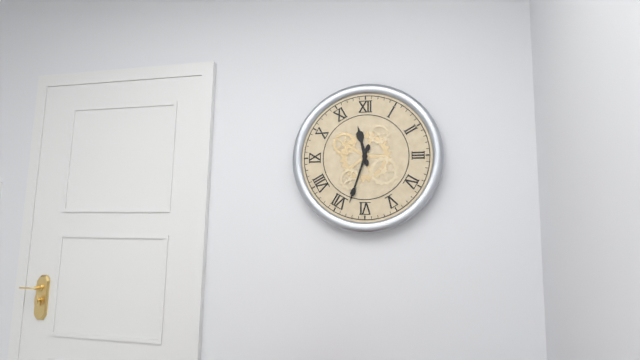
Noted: 11,33
